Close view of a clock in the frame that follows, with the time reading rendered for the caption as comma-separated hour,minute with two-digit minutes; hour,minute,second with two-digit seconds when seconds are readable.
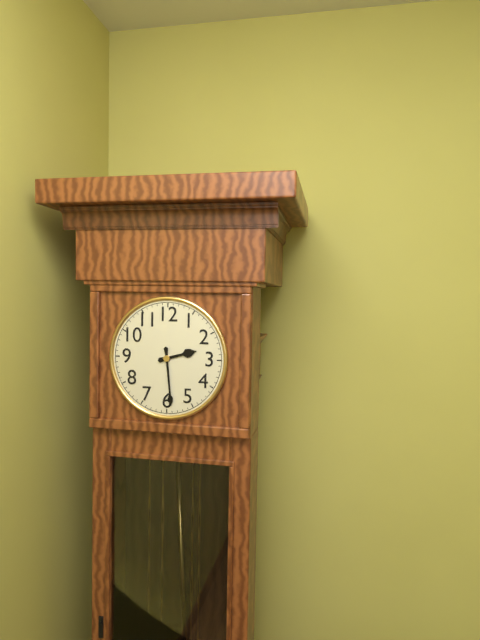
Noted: 2,29
